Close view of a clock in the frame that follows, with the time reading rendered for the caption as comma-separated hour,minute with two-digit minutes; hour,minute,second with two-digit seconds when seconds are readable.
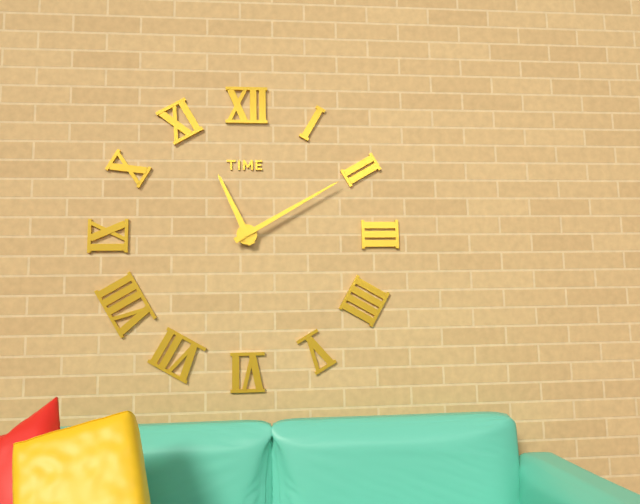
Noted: 11,10
